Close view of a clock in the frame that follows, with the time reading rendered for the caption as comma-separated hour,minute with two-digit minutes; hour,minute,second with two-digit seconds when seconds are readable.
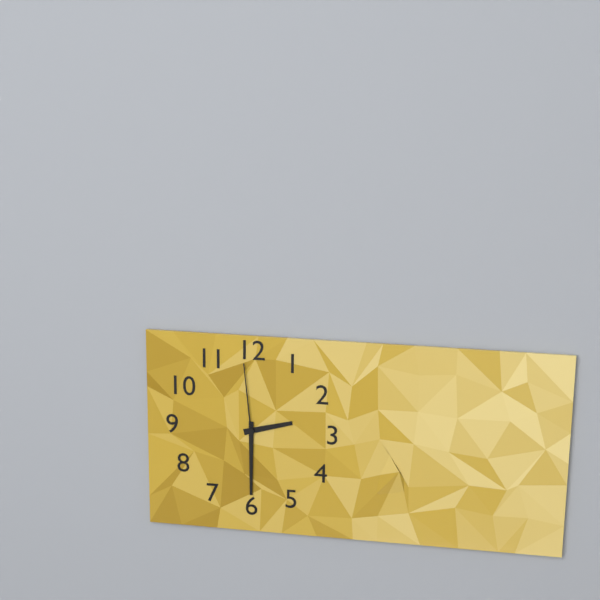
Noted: 2,30,59
